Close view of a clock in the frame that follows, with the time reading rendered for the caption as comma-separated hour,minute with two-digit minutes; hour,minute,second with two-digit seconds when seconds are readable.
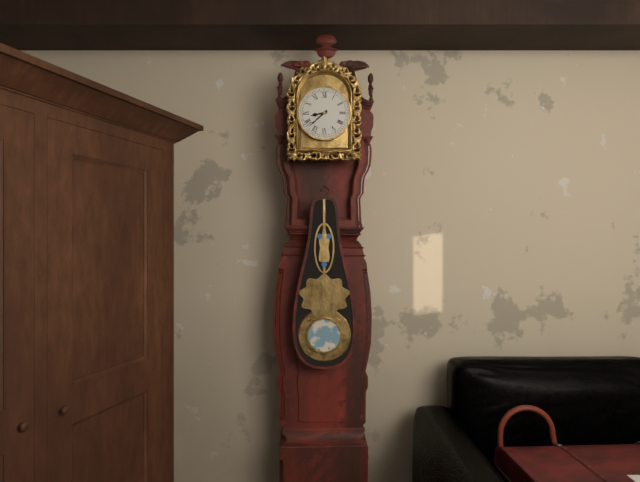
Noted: 8,38
